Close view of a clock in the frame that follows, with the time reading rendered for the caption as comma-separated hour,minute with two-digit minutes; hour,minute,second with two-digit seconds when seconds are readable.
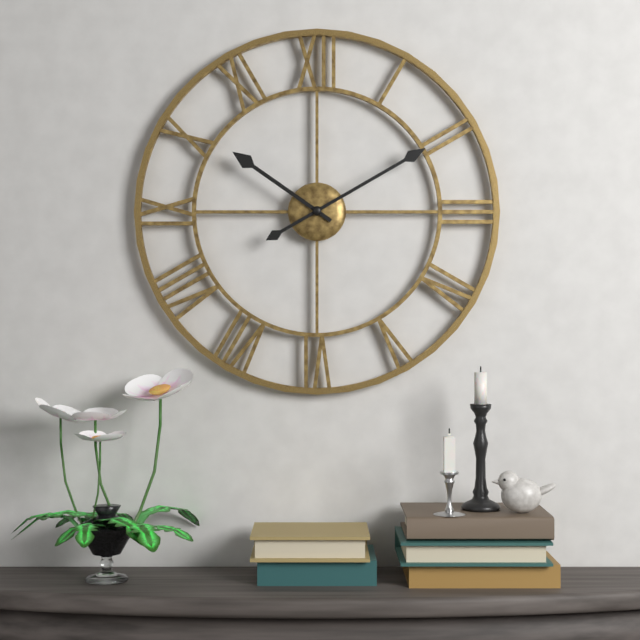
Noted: 10,10
